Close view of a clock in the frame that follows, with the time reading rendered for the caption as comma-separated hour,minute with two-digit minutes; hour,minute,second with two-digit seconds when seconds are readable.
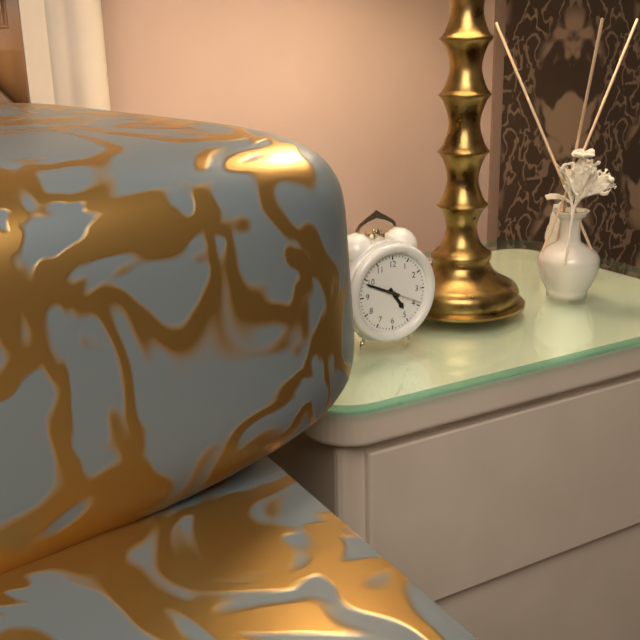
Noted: 4,49
